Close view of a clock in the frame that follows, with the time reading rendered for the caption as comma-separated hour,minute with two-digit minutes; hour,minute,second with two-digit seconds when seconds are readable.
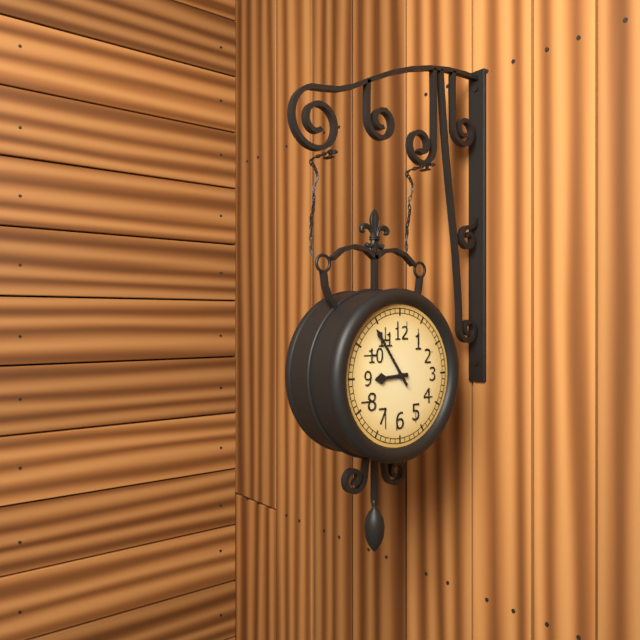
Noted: 8,54
